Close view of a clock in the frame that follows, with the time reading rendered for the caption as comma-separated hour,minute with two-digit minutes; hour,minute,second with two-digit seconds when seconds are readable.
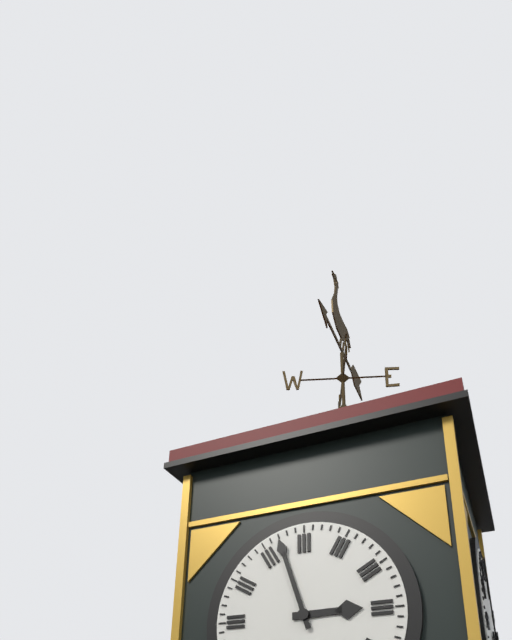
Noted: 2,57
